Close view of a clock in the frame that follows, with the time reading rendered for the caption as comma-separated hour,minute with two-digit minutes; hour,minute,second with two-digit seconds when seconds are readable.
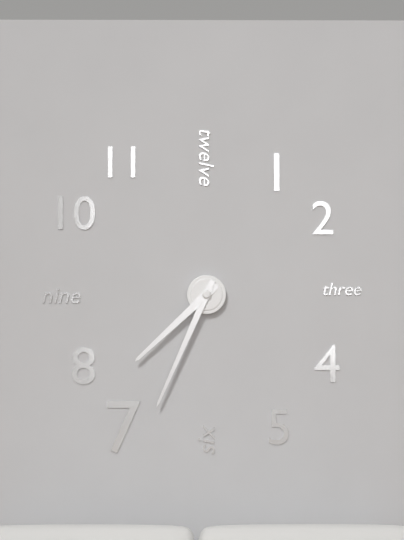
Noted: 7,34
